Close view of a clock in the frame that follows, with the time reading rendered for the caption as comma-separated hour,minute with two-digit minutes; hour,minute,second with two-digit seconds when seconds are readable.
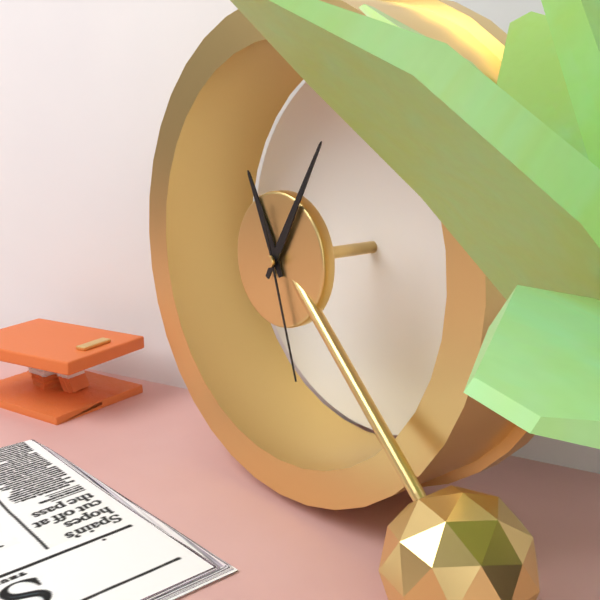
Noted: 11,05,27
